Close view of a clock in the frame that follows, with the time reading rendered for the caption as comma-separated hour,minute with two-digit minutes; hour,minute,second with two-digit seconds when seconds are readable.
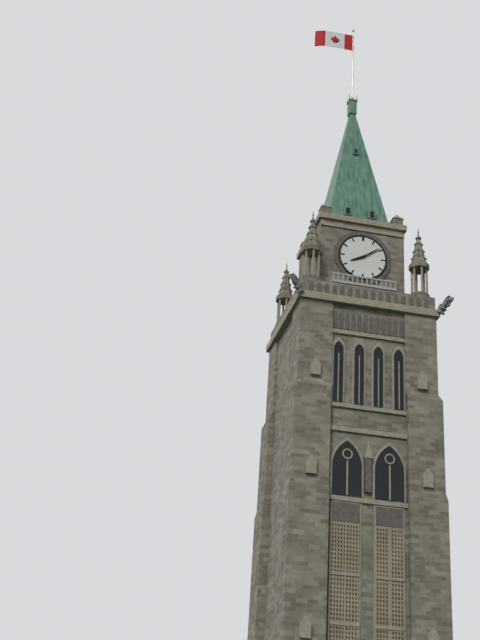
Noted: 8,09
